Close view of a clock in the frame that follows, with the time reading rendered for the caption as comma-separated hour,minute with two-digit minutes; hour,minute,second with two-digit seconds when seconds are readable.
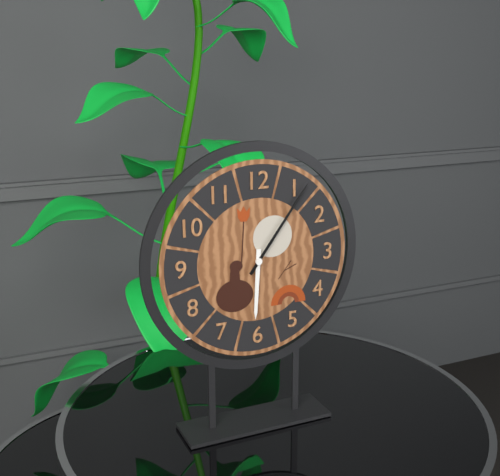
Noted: 6,06
